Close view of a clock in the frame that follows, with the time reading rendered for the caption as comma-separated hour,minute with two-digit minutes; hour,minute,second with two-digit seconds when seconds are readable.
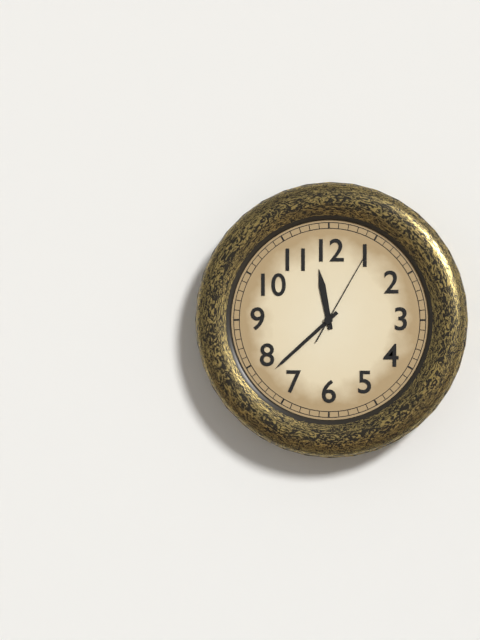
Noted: 11,38,05
